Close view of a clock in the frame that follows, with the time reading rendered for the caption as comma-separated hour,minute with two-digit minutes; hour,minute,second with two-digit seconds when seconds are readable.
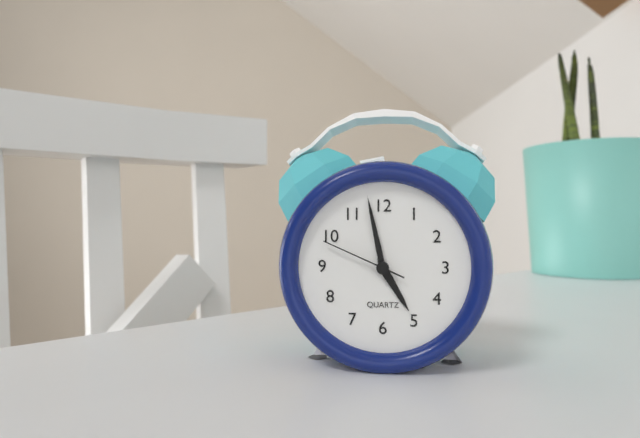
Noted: 4,58,49
